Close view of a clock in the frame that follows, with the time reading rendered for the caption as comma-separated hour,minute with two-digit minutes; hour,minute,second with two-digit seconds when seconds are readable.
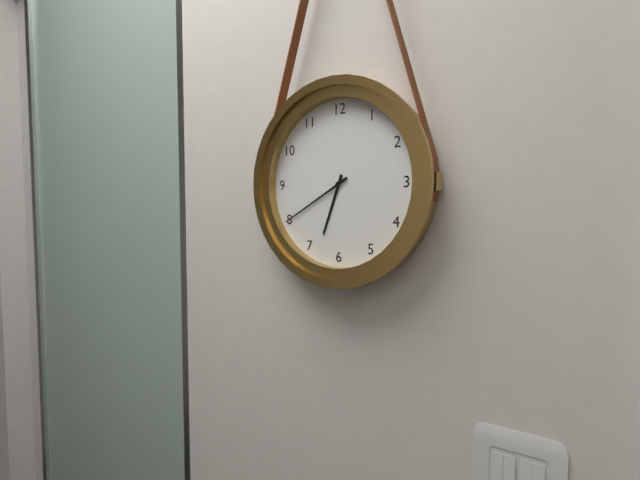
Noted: 6,40
